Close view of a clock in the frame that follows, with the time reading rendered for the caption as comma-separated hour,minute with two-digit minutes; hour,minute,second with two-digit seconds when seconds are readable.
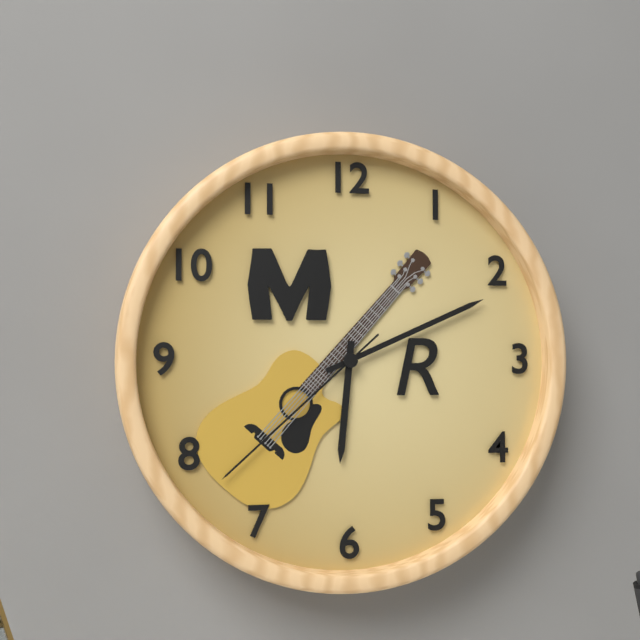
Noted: 6,11,38
